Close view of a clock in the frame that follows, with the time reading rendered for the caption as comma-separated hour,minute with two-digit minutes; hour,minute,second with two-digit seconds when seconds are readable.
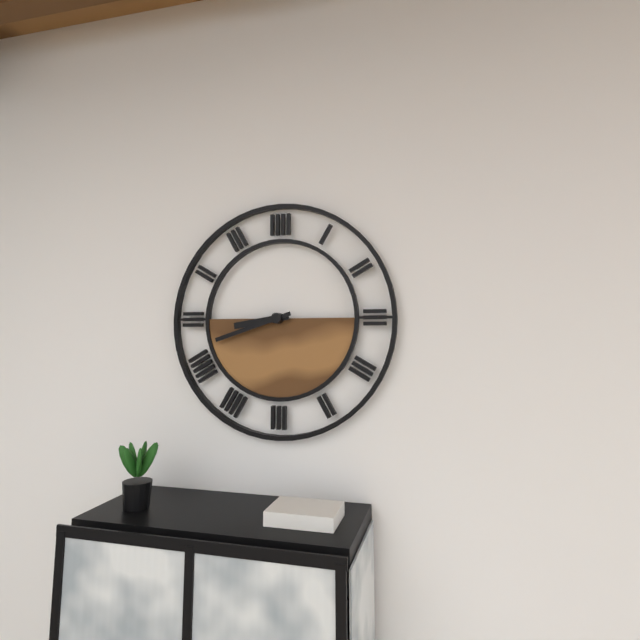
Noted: 8,42
